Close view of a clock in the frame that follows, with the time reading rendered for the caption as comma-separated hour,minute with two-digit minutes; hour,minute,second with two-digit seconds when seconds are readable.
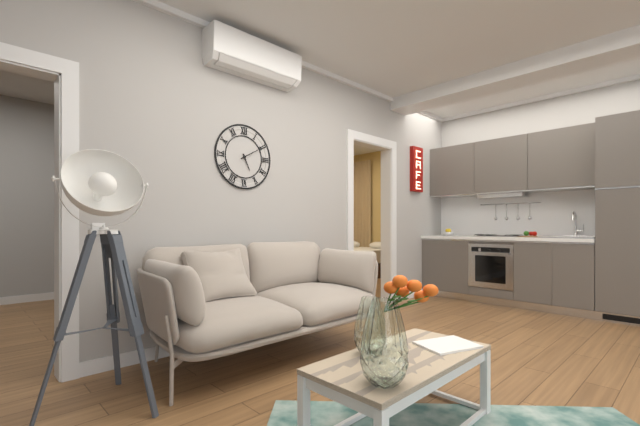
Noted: 5,10
